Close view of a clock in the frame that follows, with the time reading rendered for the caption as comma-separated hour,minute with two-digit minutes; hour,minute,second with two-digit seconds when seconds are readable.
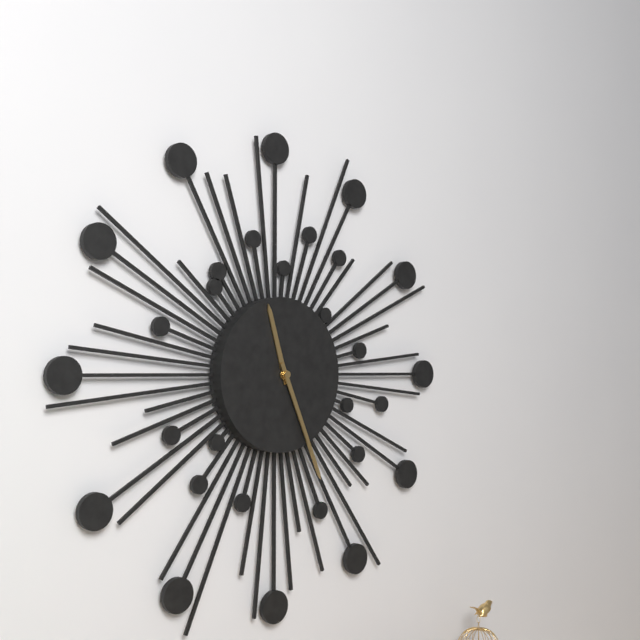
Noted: 11,26
